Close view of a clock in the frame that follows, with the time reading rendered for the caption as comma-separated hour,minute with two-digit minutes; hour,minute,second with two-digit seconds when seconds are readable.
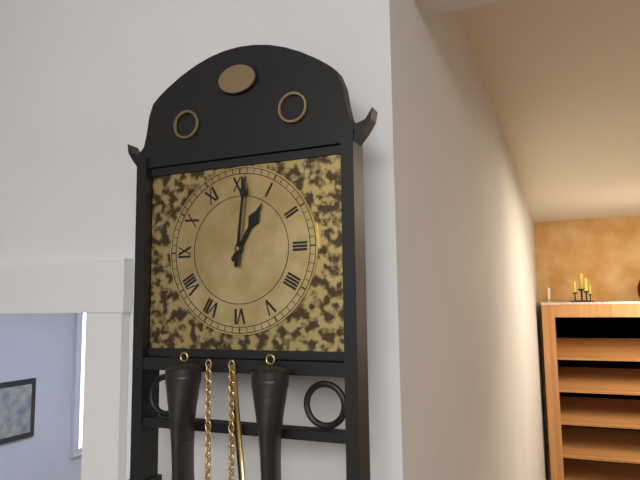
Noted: 1,01
